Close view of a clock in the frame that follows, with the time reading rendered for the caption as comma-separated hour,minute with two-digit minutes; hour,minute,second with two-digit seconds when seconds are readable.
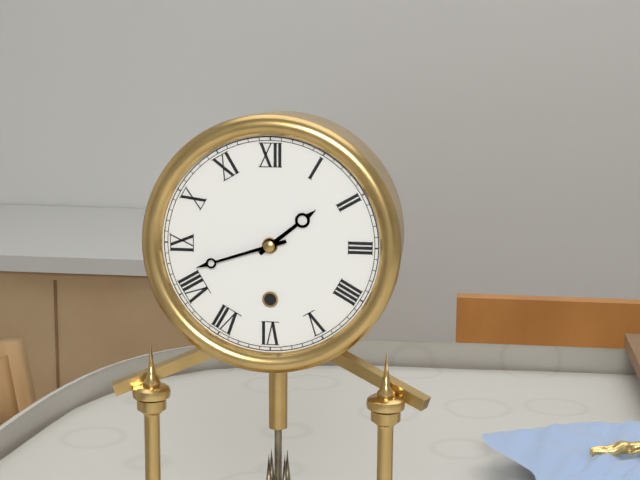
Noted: 1,42
